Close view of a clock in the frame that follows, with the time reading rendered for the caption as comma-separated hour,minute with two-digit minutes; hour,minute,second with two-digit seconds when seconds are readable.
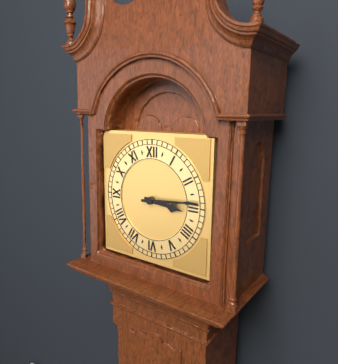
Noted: 3,14
